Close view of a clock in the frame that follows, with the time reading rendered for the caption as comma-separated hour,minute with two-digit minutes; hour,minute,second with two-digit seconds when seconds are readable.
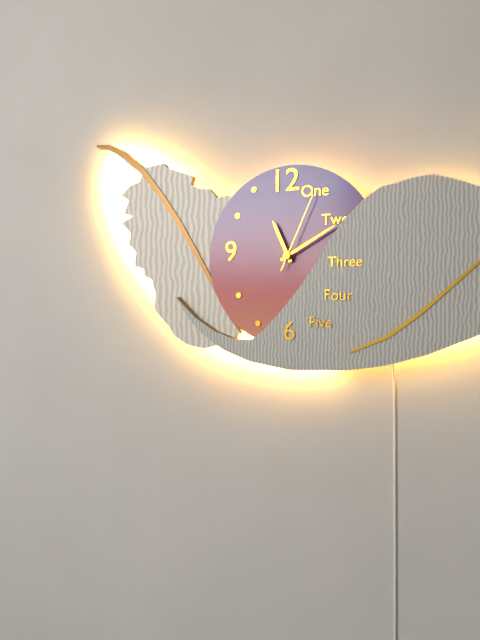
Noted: 11,10,04
